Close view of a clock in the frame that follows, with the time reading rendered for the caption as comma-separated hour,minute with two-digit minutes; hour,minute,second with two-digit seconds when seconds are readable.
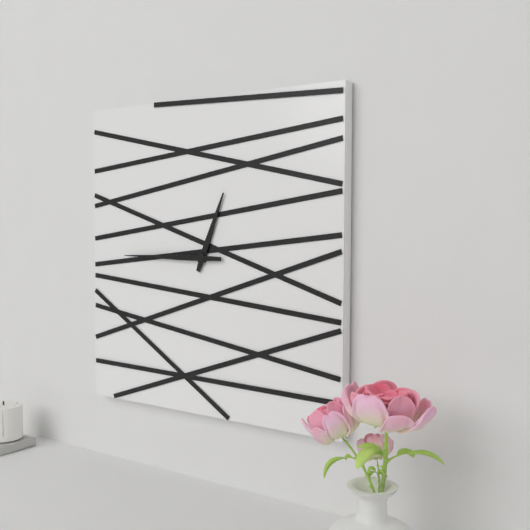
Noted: 12,45
